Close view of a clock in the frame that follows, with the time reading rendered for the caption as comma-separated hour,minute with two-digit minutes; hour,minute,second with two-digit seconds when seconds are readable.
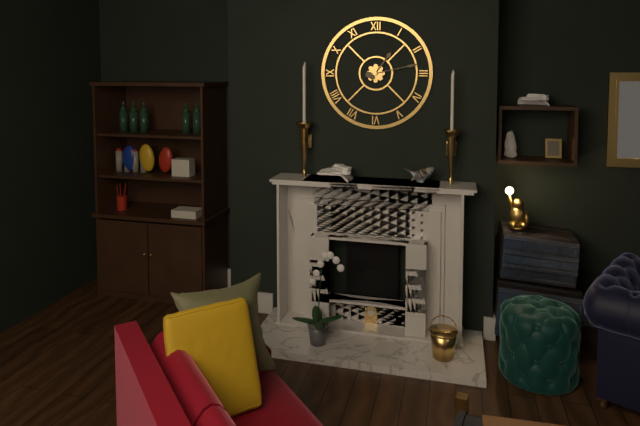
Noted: 1,13
